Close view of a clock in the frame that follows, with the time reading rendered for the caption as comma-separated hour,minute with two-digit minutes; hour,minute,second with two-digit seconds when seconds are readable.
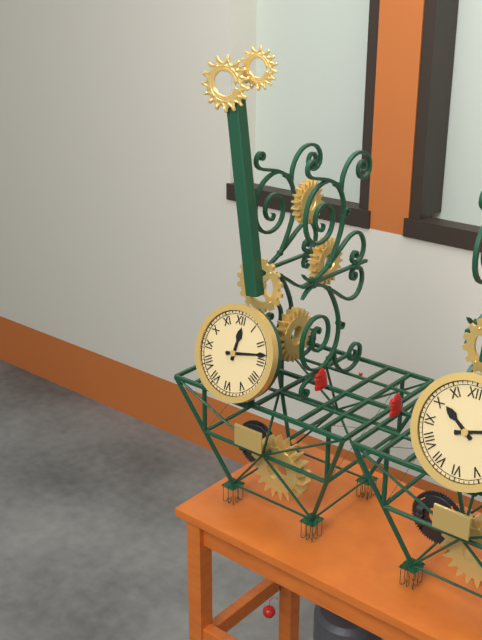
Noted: 12,13
